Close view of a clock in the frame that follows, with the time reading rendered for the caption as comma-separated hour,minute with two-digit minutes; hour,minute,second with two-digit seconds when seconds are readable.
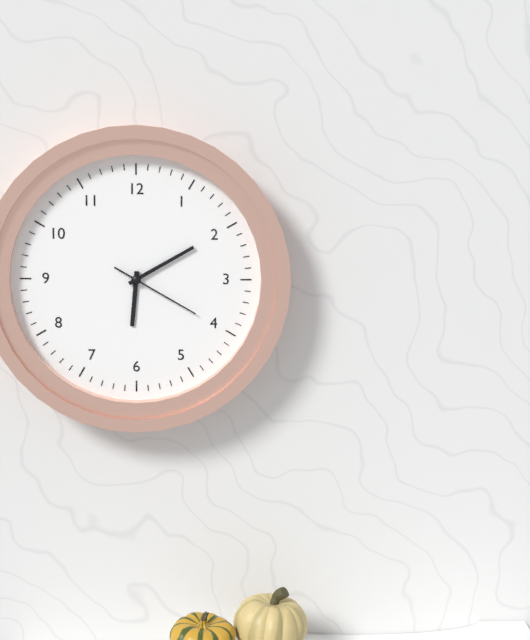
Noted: 6,10,20
